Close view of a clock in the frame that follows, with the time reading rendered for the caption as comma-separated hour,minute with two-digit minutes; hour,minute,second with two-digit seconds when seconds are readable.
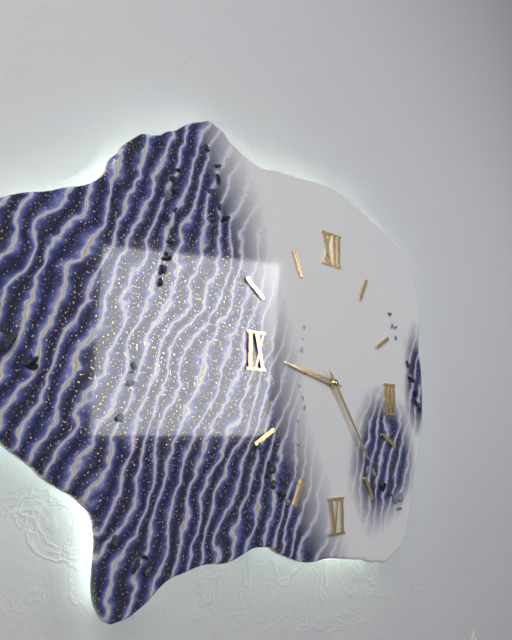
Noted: 9,24
